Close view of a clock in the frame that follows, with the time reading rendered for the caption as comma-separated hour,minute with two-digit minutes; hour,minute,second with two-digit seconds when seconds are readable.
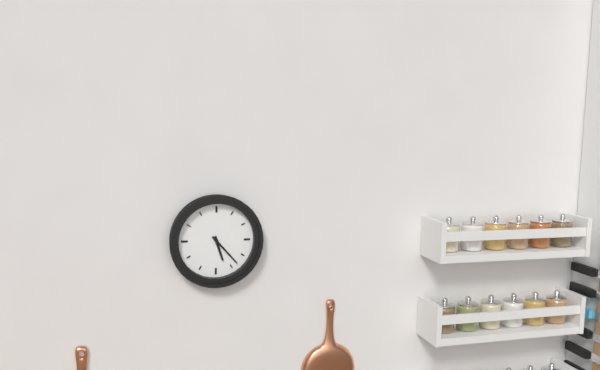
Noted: 5,23
